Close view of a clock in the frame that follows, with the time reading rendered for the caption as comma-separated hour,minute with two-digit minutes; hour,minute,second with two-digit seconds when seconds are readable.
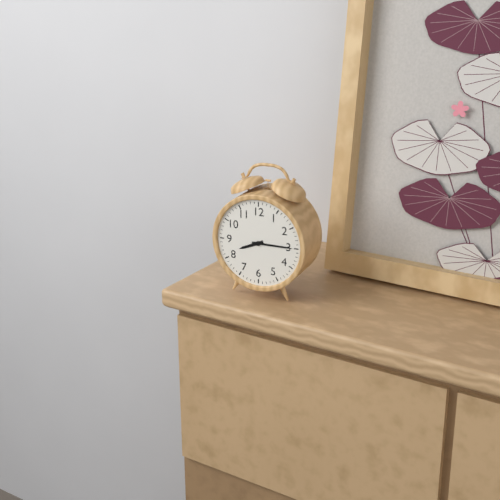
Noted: 8,15
